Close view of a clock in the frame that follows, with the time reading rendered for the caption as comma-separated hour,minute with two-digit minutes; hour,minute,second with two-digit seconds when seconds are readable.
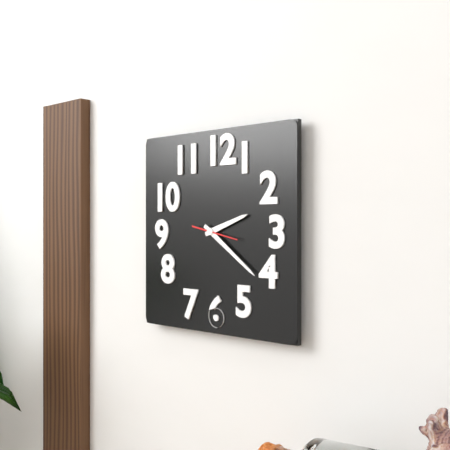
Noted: 2,21
